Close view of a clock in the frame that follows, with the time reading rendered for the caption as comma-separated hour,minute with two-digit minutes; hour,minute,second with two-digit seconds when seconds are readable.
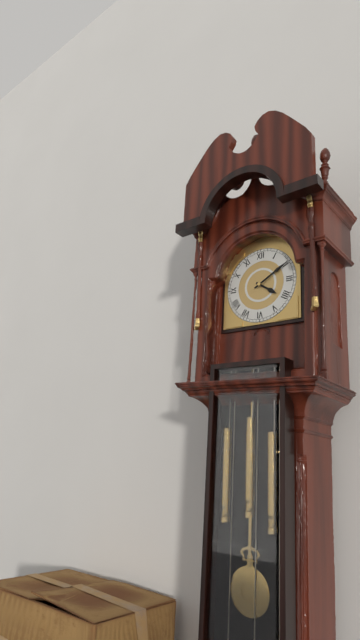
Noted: 4,10
